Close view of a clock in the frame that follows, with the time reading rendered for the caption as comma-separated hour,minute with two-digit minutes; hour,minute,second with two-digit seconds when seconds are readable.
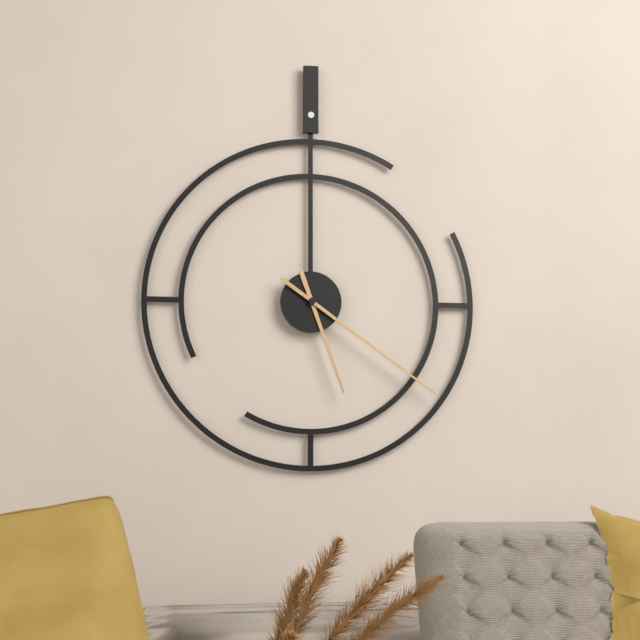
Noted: 5,21
